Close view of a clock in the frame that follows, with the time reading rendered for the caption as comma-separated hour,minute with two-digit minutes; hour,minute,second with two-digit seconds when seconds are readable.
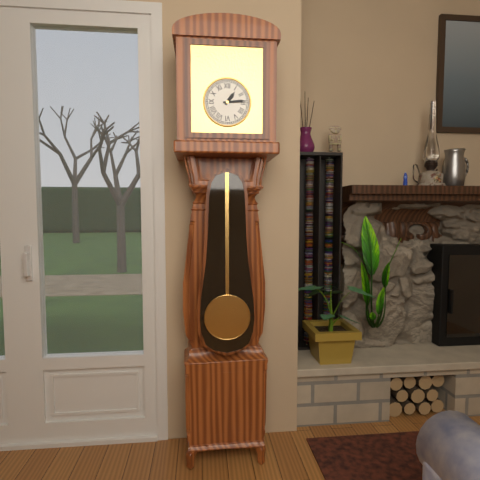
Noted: 1,14
